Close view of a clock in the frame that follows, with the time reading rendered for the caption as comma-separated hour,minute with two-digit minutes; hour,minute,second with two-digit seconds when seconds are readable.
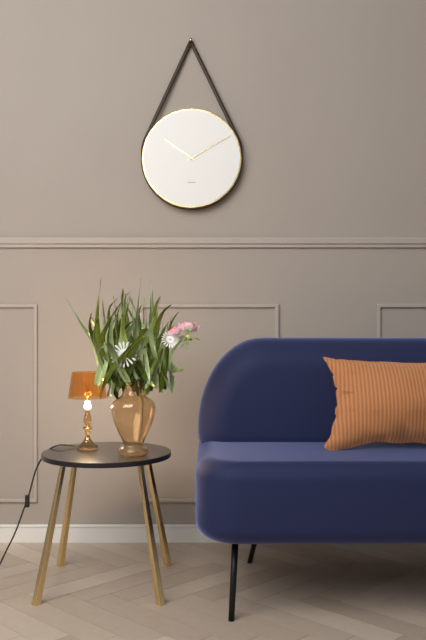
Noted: 10,10
